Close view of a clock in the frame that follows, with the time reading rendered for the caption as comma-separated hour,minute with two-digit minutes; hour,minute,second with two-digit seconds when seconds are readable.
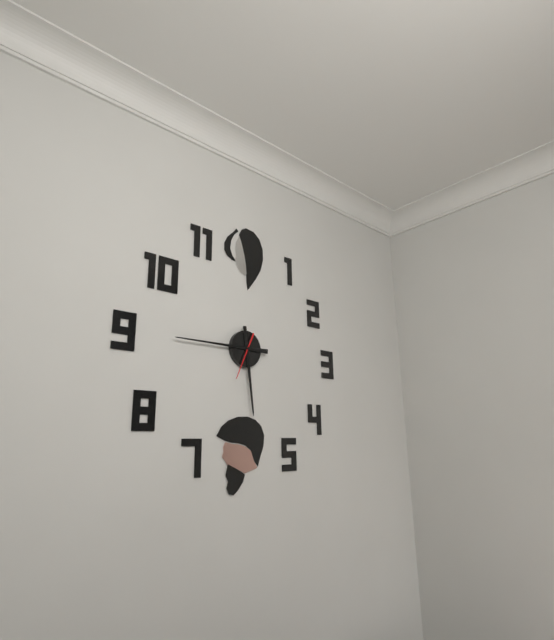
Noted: 5,45
